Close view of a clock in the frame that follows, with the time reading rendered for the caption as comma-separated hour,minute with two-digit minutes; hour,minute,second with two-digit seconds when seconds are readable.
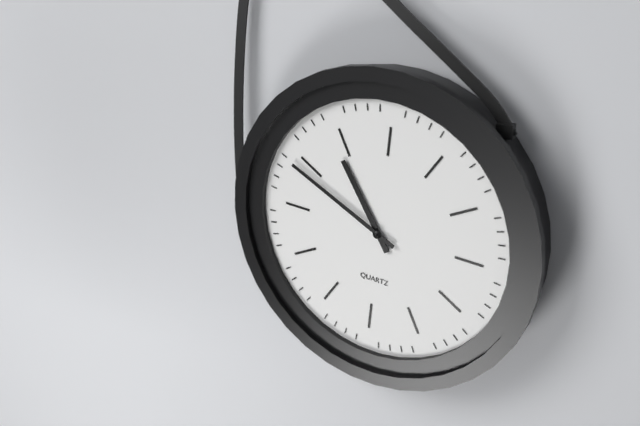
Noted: 10,49
